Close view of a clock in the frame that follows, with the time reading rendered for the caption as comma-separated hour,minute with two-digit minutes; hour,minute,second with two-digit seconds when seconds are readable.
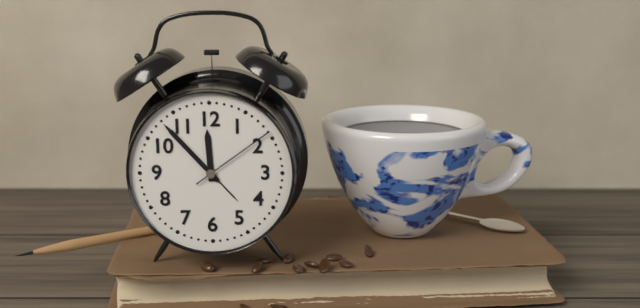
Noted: 11,53,09
